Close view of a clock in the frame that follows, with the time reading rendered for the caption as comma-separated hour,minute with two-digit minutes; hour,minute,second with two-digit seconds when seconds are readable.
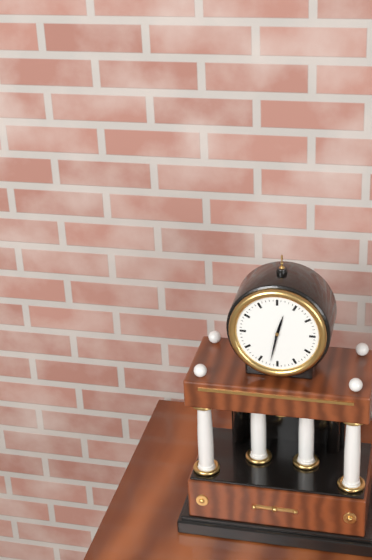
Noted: 12,32
